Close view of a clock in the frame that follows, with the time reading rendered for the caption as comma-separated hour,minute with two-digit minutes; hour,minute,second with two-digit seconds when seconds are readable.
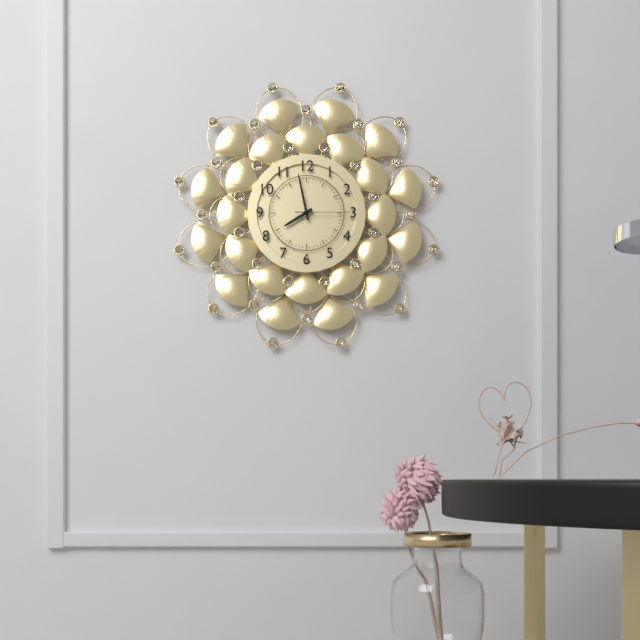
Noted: 7,58,15
